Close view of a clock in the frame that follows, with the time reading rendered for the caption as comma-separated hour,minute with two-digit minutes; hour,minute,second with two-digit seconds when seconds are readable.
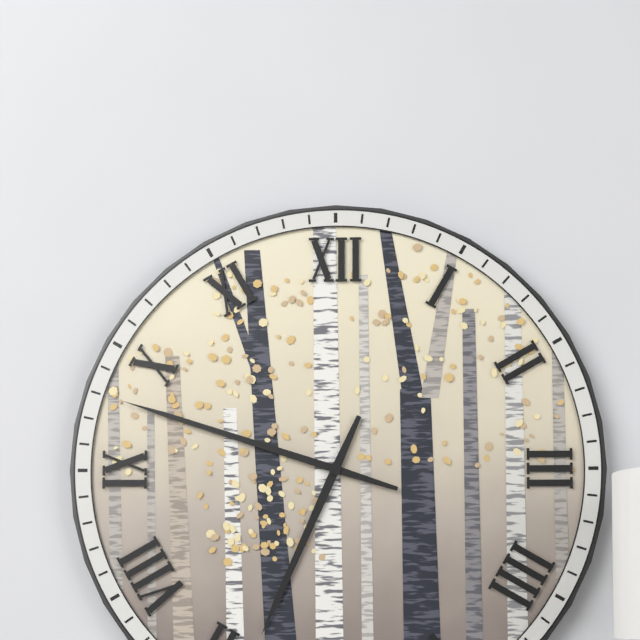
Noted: 6,48
